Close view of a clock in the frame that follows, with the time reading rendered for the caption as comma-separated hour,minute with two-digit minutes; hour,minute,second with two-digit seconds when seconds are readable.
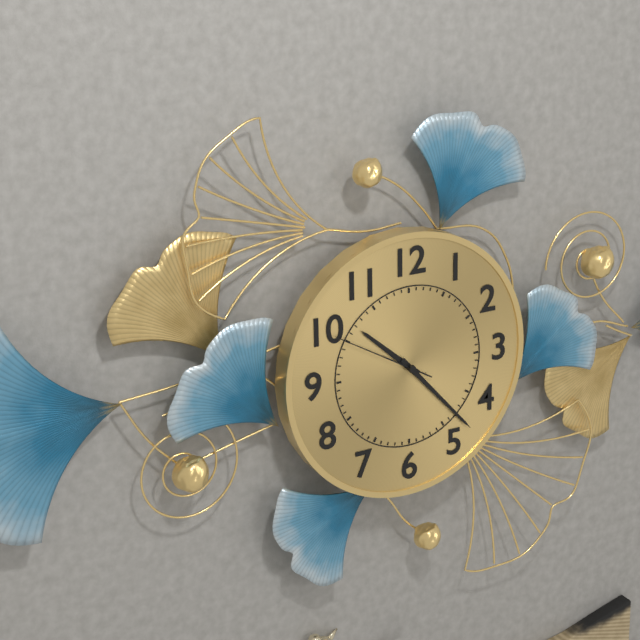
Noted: 10,23,50
